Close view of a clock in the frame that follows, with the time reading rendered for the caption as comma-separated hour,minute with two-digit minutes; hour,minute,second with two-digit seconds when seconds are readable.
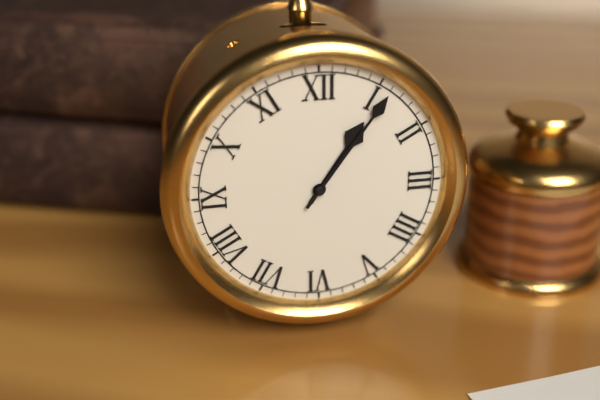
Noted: 1,06
